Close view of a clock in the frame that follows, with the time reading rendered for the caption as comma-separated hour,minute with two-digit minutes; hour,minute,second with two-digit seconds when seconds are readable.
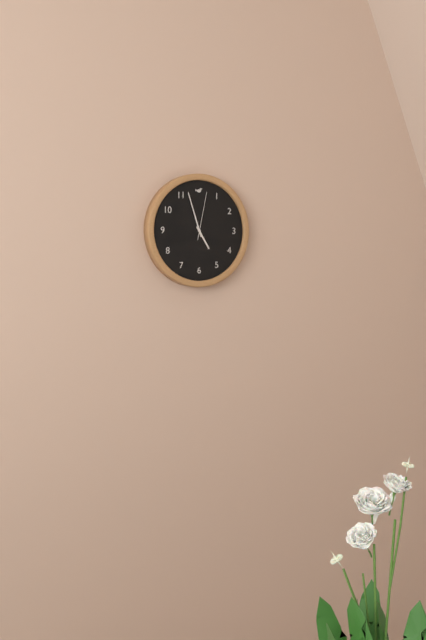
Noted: 4,57,02
